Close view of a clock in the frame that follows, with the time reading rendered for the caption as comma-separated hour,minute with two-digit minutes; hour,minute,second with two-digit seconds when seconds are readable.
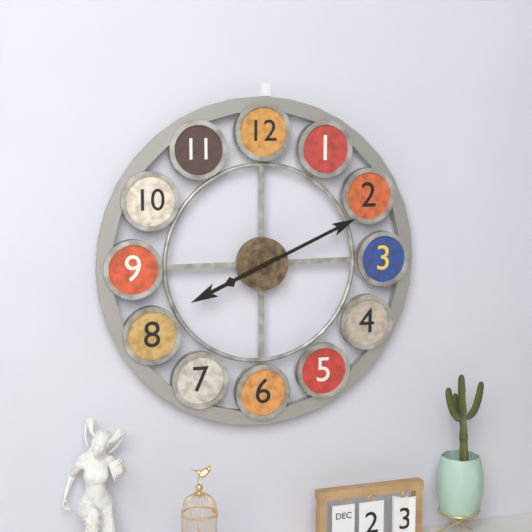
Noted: 8,11
